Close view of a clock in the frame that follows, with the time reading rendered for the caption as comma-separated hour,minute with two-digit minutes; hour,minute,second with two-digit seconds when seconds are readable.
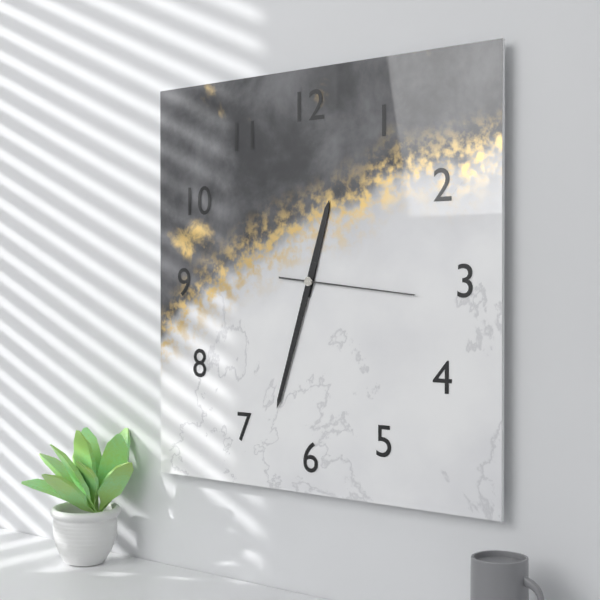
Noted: 12,33,16
